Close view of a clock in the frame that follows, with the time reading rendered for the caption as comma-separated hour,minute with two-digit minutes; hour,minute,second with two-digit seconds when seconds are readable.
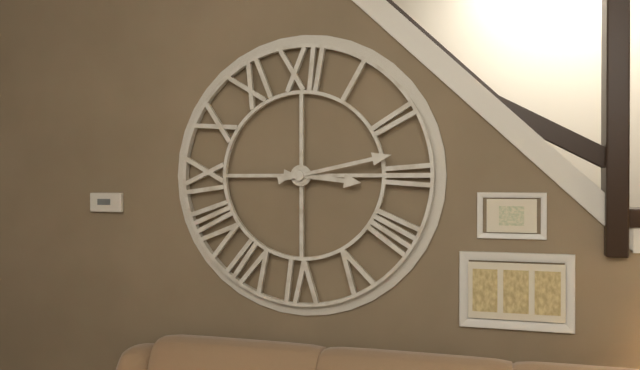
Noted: 3,13
